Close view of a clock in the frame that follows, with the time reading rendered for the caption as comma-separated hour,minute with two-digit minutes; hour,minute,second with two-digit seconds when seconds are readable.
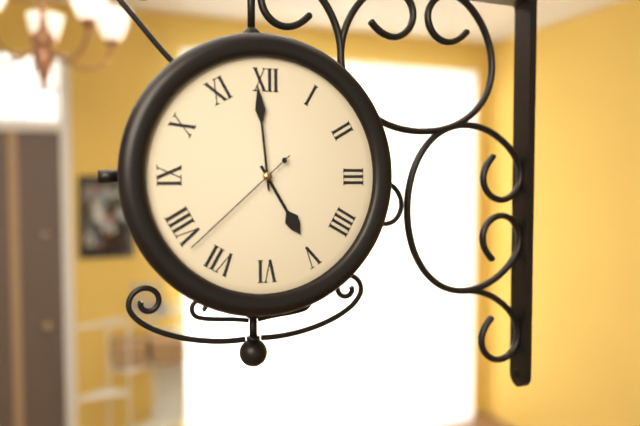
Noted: 4,59,38
